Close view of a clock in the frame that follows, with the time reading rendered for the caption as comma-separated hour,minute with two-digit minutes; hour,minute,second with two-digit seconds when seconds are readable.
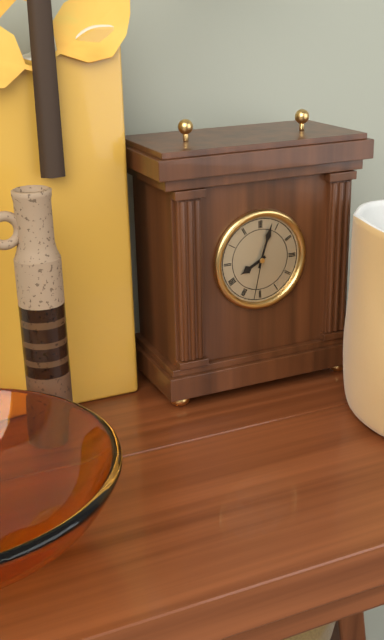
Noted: 8,03,32
